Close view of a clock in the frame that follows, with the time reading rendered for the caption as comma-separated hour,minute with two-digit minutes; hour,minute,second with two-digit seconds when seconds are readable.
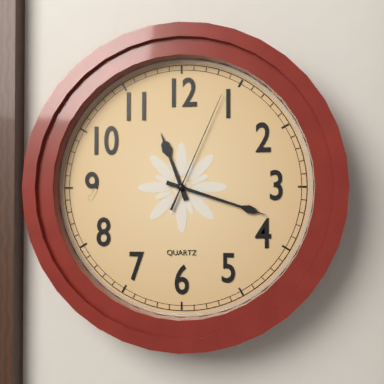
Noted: 11,18,04
